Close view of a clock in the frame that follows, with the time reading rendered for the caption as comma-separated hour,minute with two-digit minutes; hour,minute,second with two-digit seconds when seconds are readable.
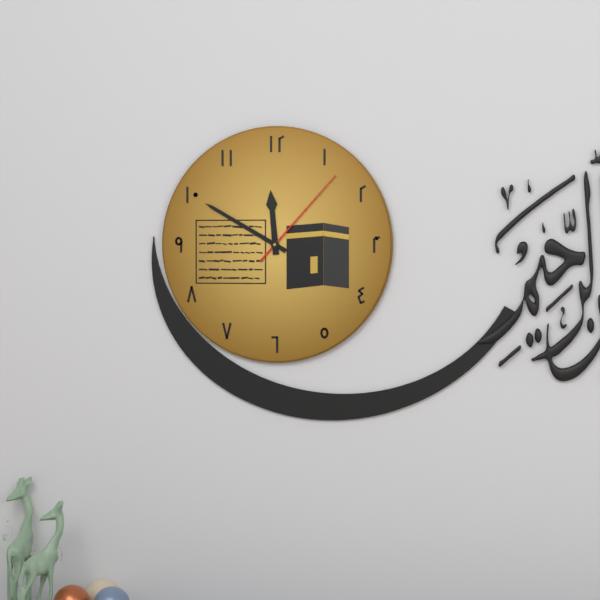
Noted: 11,50,07
